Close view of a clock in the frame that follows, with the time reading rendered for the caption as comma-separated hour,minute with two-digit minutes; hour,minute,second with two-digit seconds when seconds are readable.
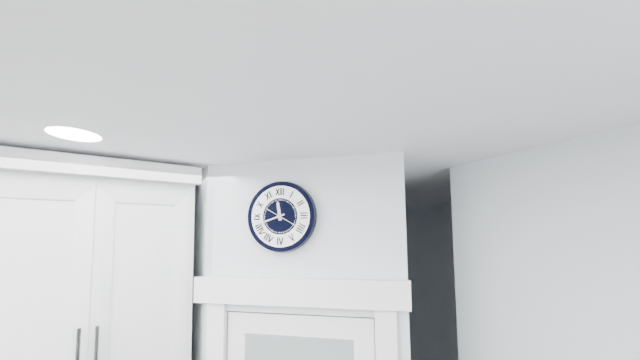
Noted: 11,42
